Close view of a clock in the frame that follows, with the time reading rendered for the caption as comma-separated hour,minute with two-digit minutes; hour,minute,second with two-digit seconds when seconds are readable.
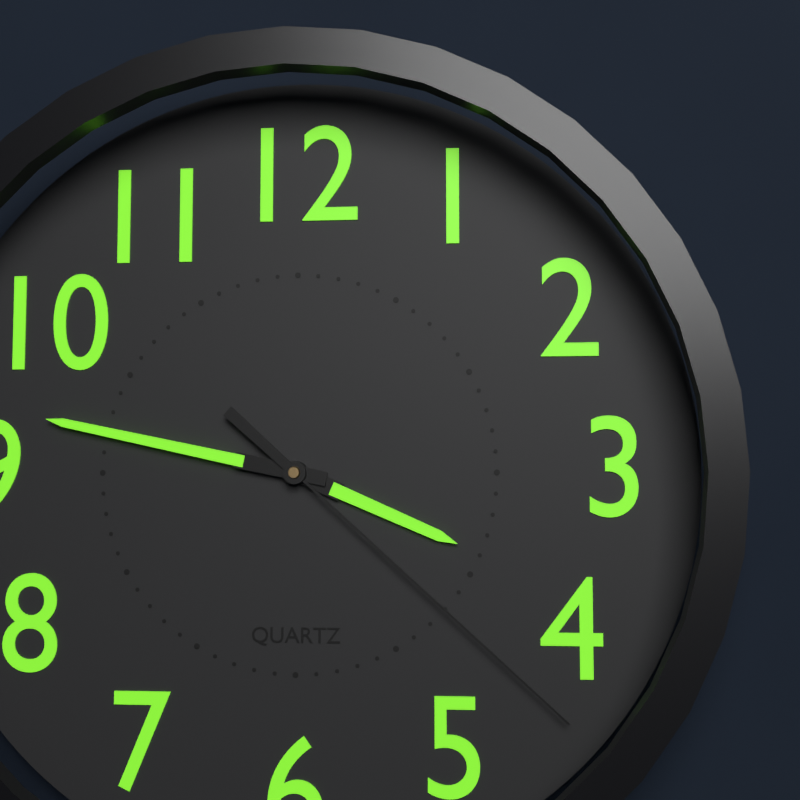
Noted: 3,47,22
